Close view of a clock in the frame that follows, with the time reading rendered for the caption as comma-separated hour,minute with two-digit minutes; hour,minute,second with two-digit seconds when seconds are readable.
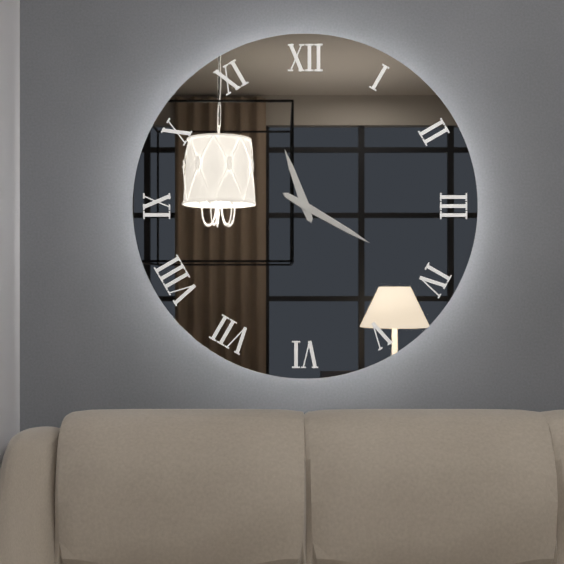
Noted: 11,20
